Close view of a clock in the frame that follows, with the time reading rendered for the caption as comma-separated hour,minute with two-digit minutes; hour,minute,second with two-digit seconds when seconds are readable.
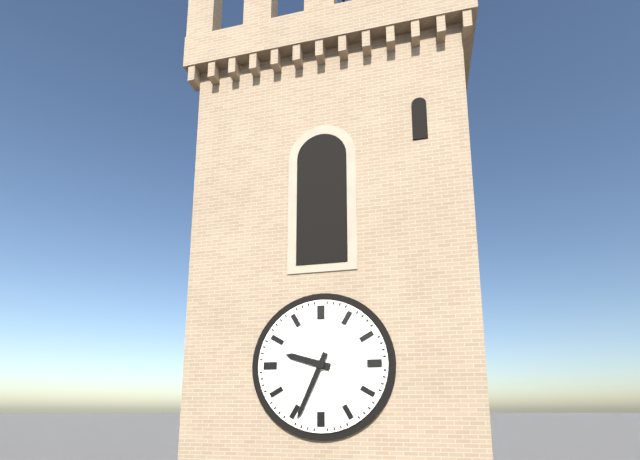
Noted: 9,34
